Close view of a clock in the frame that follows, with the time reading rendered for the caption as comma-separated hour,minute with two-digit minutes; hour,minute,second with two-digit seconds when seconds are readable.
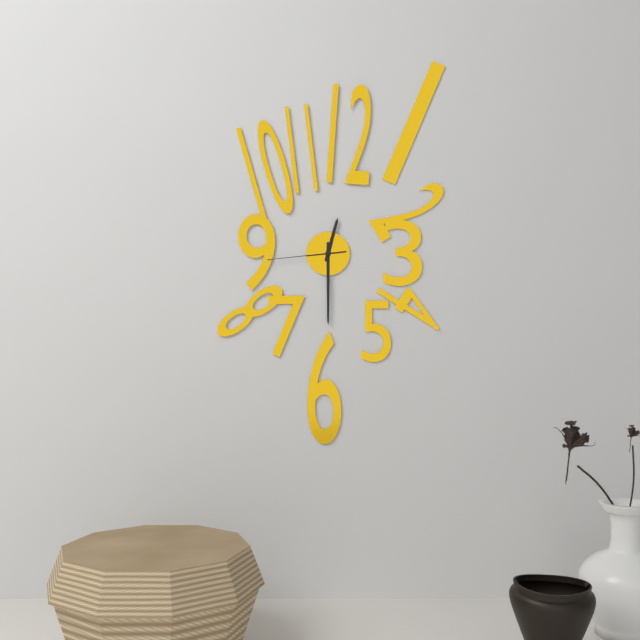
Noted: 12,30,44
